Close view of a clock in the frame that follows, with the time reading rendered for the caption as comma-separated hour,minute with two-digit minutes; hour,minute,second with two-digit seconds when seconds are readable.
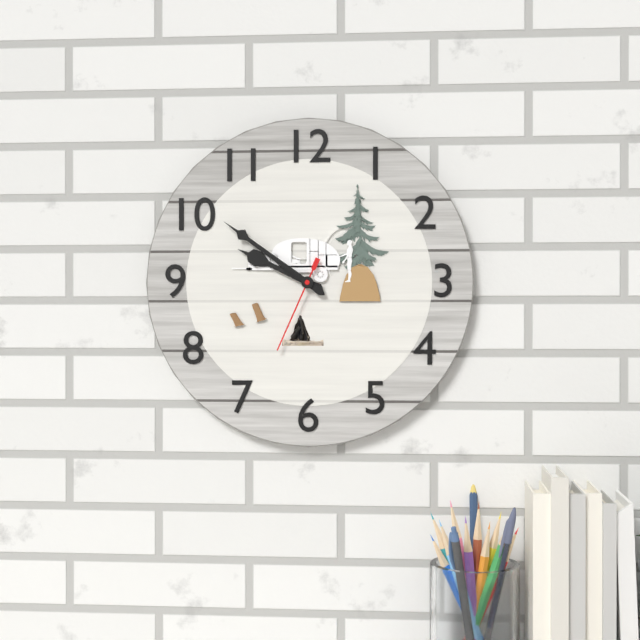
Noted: 9,51,34
